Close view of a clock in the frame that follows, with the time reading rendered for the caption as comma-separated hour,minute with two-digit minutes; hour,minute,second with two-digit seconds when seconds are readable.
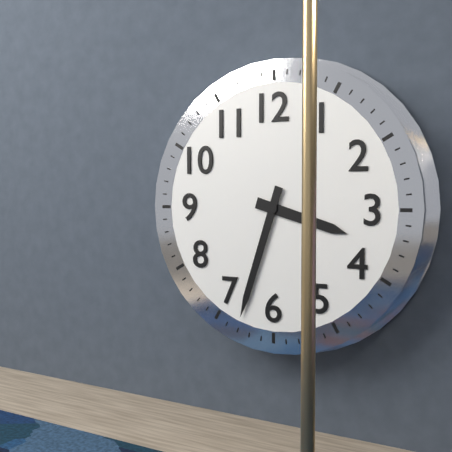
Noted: 3,33
